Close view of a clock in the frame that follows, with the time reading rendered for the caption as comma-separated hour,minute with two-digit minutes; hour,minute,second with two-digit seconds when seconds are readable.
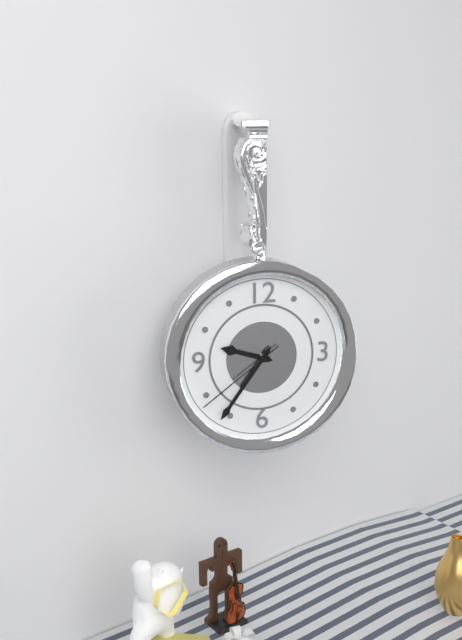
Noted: 9,36,39
